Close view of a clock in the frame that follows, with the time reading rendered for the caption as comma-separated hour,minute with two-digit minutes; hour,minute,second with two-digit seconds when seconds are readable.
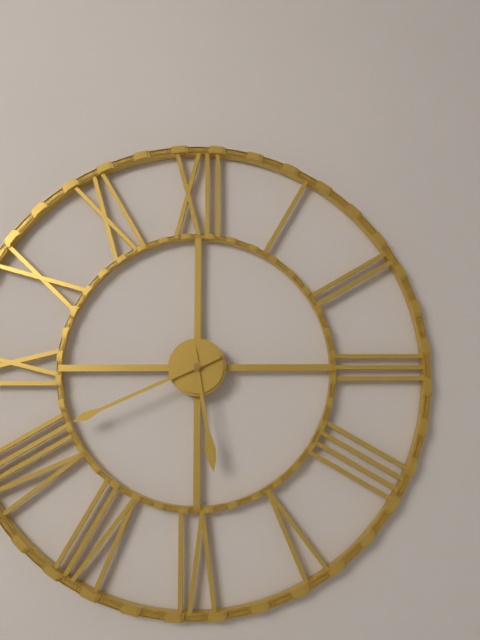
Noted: 5,41
